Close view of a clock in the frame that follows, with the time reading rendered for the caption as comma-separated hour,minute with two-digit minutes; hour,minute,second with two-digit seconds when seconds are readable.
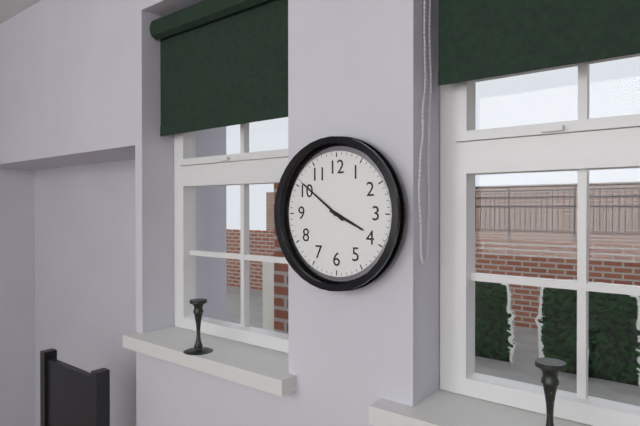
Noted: 3,51
